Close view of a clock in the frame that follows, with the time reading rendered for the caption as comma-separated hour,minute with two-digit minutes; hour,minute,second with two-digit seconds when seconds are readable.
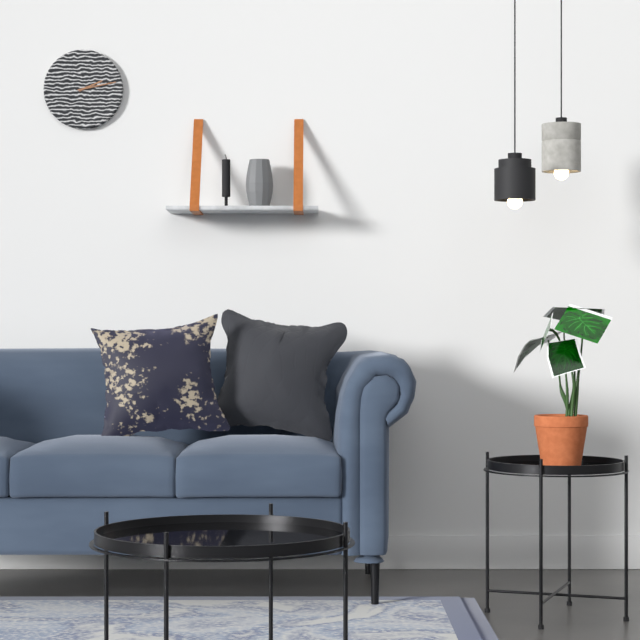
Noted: 2,13
